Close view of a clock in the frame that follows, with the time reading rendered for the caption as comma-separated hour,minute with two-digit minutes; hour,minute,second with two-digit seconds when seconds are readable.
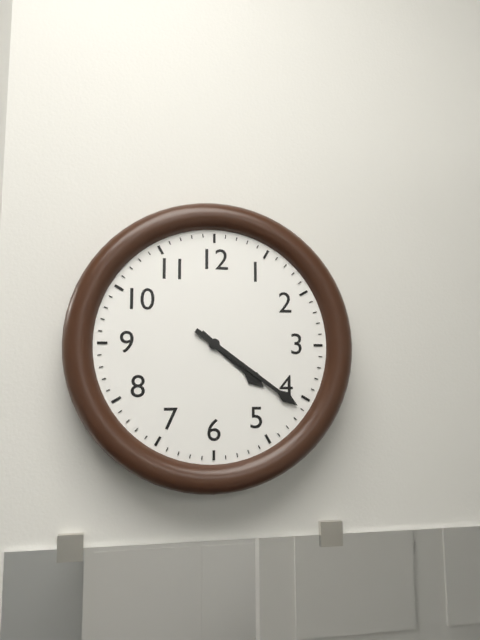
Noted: 4,21
